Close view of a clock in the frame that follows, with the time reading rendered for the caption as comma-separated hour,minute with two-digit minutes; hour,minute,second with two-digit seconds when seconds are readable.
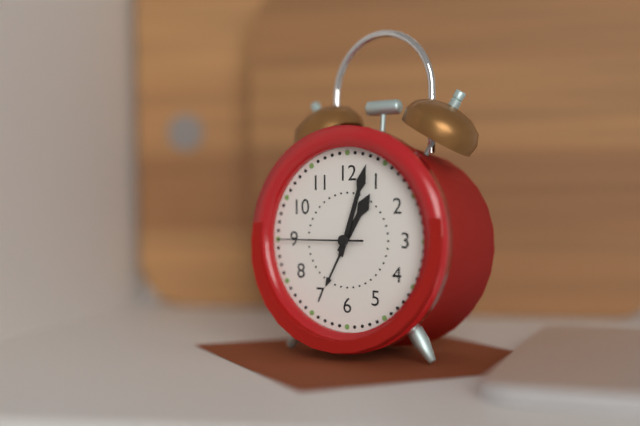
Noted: 1,03,45
